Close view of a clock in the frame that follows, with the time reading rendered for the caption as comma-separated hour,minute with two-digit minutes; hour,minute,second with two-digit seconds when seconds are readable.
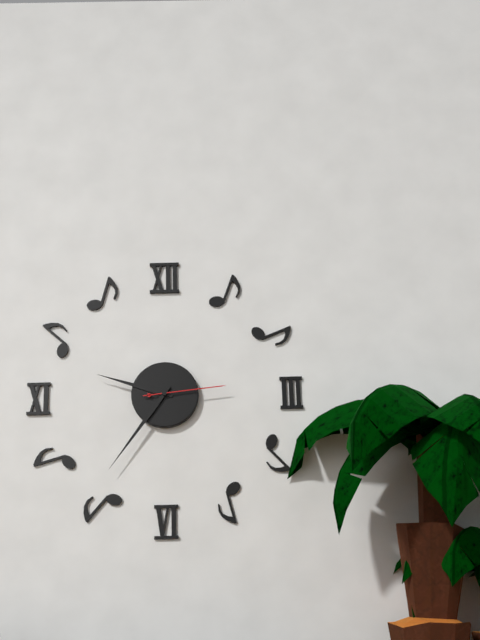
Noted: 9,36,14
